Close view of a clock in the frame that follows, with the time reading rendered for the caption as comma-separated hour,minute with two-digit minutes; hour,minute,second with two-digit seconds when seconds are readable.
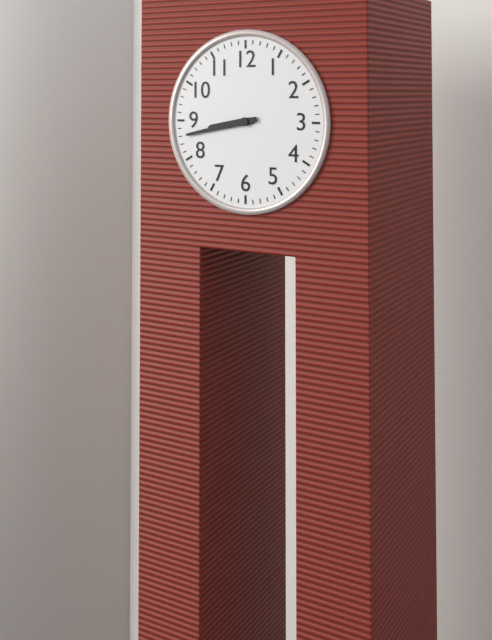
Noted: 8,43
